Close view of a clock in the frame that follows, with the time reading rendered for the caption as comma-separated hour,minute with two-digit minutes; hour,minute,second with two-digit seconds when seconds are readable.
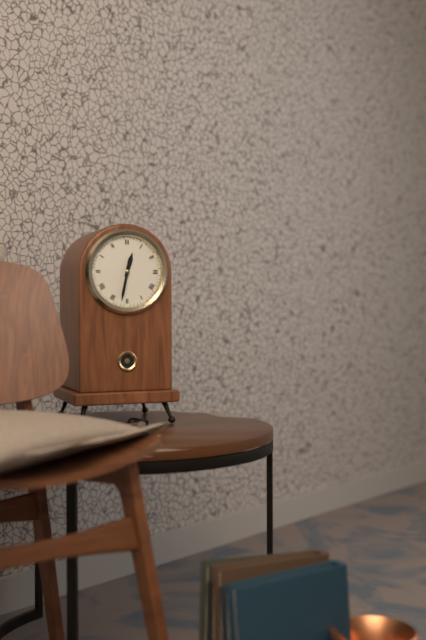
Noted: 12,32
